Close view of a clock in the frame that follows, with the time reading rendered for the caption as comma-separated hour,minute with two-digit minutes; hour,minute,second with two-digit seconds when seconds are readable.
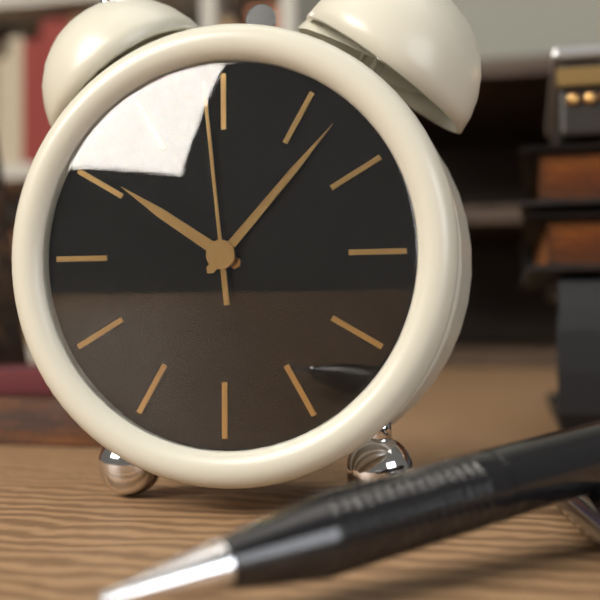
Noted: 10,07,59
